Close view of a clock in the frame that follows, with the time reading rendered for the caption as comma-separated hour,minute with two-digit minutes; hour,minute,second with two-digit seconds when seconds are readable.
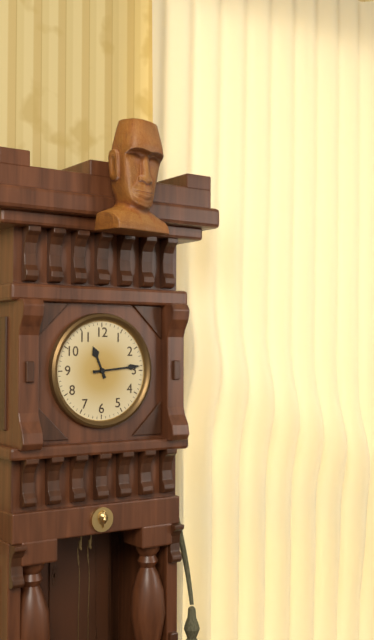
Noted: 11,14
